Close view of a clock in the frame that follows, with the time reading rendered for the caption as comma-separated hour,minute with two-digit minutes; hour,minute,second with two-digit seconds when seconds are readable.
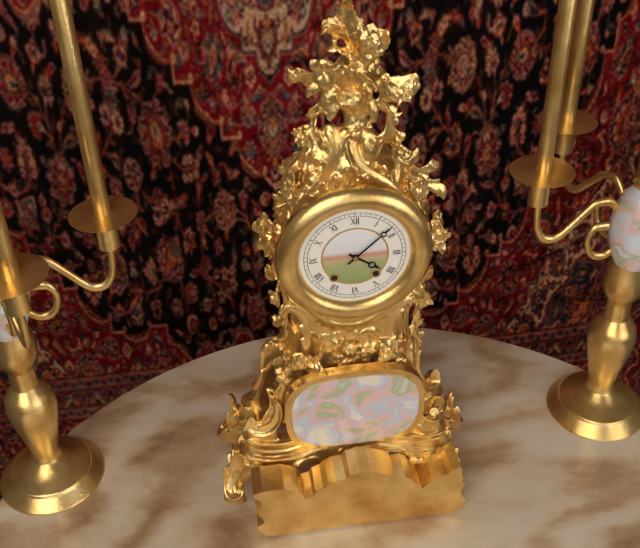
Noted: 4,08
